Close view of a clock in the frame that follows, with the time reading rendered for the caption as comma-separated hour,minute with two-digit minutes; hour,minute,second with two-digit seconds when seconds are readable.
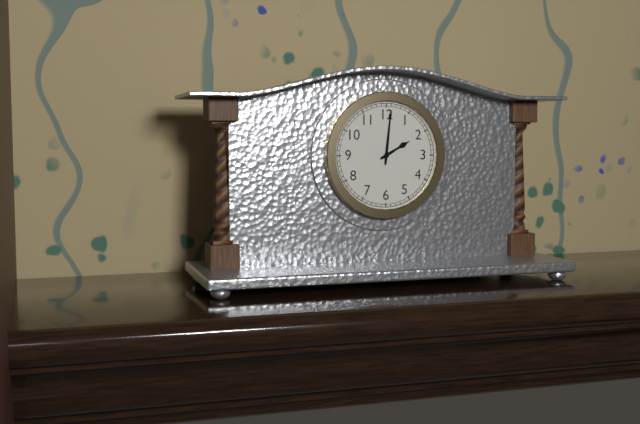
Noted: 2,01
